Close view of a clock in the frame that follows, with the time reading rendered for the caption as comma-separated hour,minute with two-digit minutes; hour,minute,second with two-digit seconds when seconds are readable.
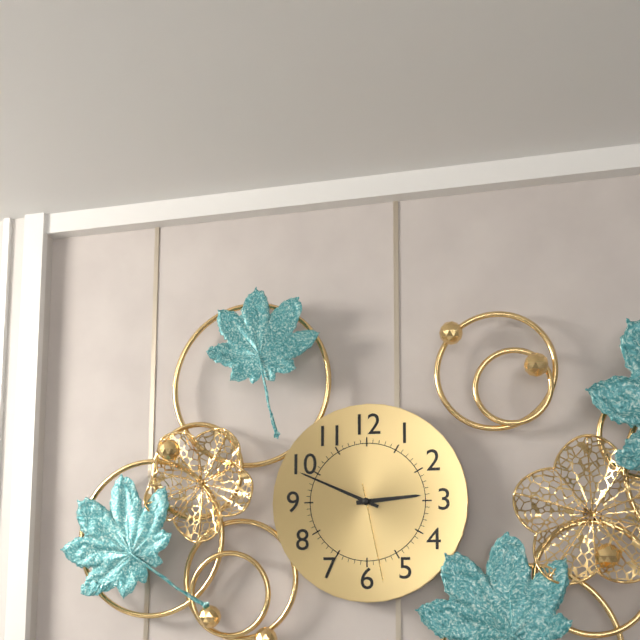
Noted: 2,49,28
